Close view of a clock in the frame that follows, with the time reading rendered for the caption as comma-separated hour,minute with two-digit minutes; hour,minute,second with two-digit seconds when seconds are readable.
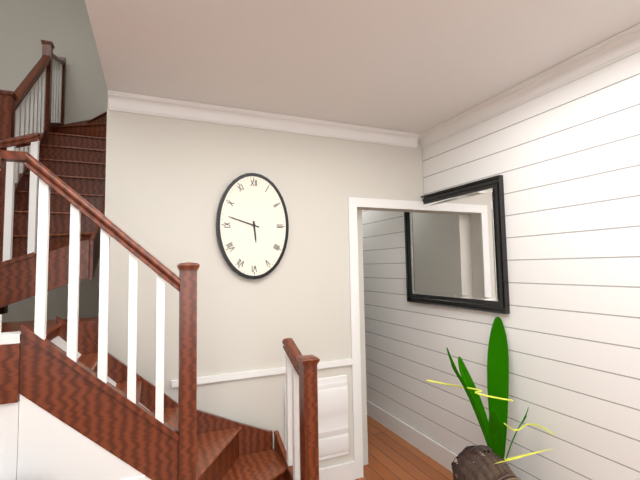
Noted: 5,48
